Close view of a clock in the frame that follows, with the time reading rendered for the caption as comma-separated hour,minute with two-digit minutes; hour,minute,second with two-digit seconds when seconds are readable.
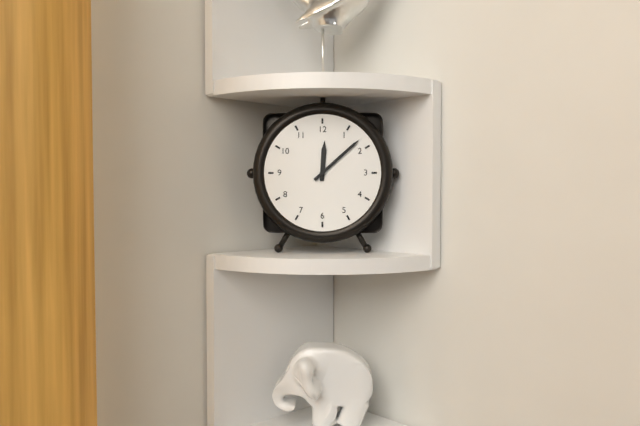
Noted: 12,08
